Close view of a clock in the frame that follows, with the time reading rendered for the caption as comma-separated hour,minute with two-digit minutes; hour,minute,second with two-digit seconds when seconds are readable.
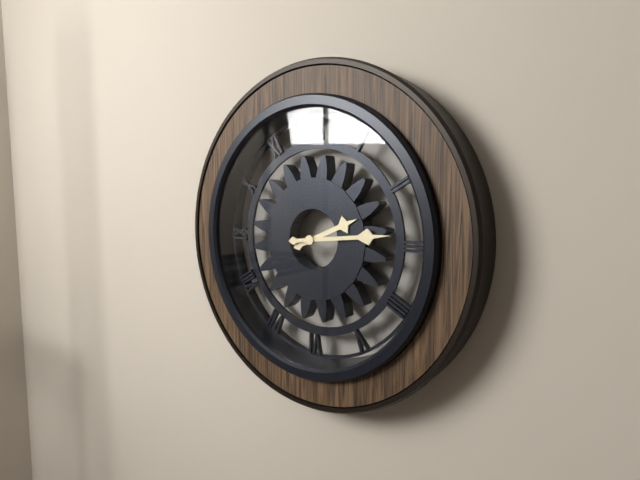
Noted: 2,14
